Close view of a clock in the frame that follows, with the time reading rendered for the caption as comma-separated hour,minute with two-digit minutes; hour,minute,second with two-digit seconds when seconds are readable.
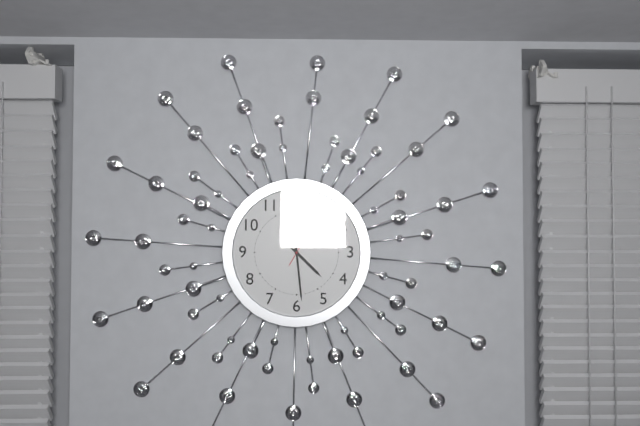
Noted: 4,29,05
